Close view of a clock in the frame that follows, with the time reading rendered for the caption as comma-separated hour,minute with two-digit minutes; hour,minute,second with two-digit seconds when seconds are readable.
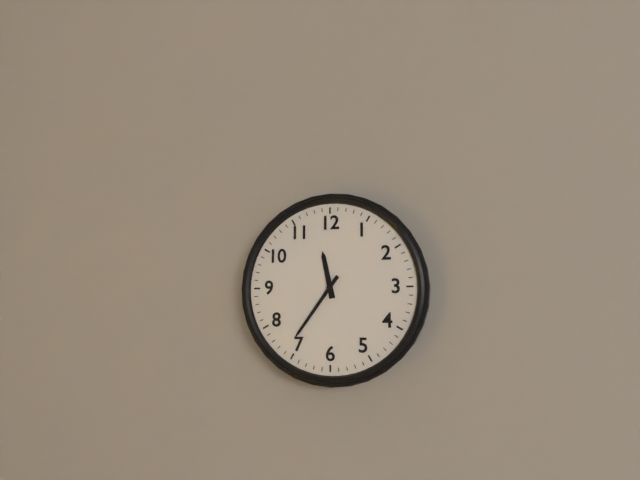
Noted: 11,36
